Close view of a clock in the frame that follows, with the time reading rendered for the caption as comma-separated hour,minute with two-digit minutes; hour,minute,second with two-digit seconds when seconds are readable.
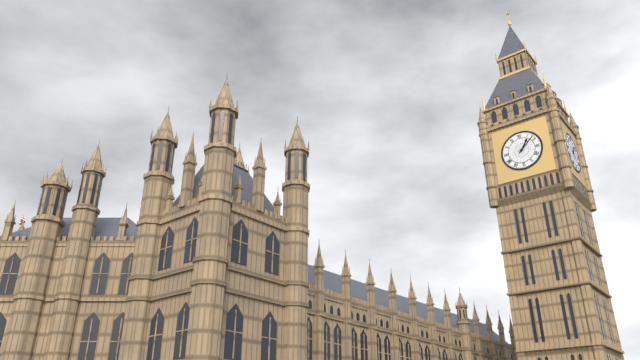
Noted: 1,08
